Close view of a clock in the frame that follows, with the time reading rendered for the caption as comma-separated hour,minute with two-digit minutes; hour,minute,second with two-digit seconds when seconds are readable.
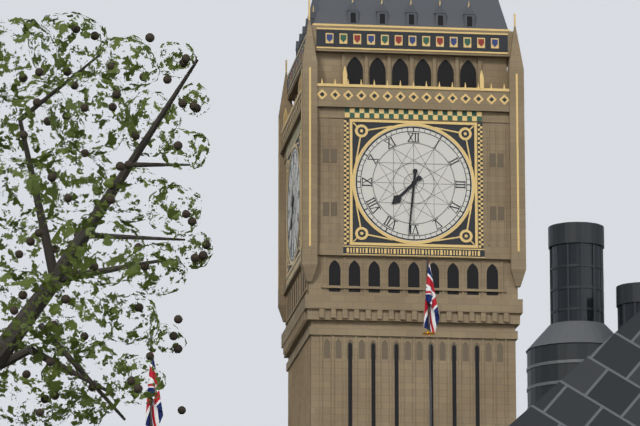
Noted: 7,31
